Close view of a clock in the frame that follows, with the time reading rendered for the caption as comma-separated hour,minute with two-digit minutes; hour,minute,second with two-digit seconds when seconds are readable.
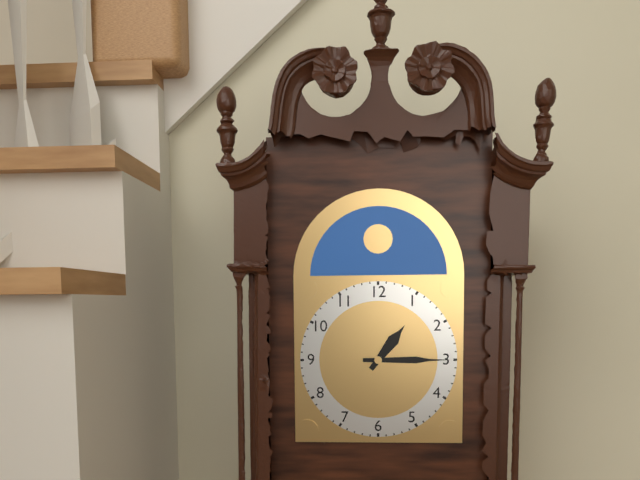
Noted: 1,15
